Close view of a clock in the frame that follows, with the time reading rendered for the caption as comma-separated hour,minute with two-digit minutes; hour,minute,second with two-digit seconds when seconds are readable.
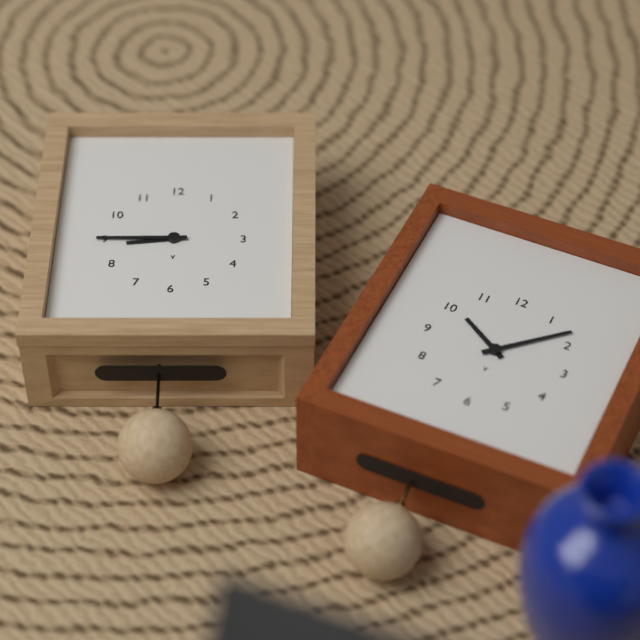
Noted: 8,45
